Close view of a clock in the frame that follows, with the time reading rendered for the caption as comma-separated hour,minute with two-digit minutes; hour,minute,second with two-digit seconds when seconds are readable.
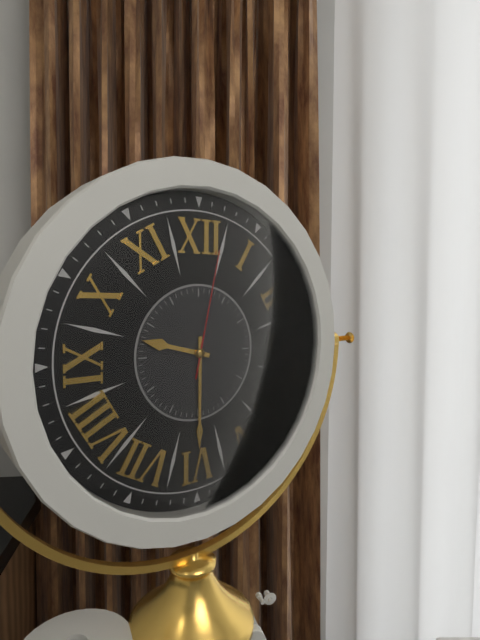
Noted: 9,30,02
